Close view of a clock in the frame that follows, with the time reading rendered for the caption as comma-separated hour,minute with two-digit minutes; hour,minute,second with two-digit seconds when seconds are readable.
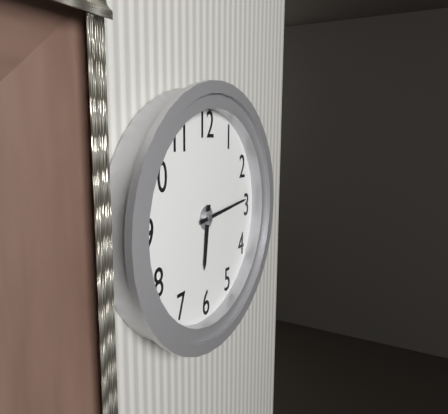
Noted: 6,14
